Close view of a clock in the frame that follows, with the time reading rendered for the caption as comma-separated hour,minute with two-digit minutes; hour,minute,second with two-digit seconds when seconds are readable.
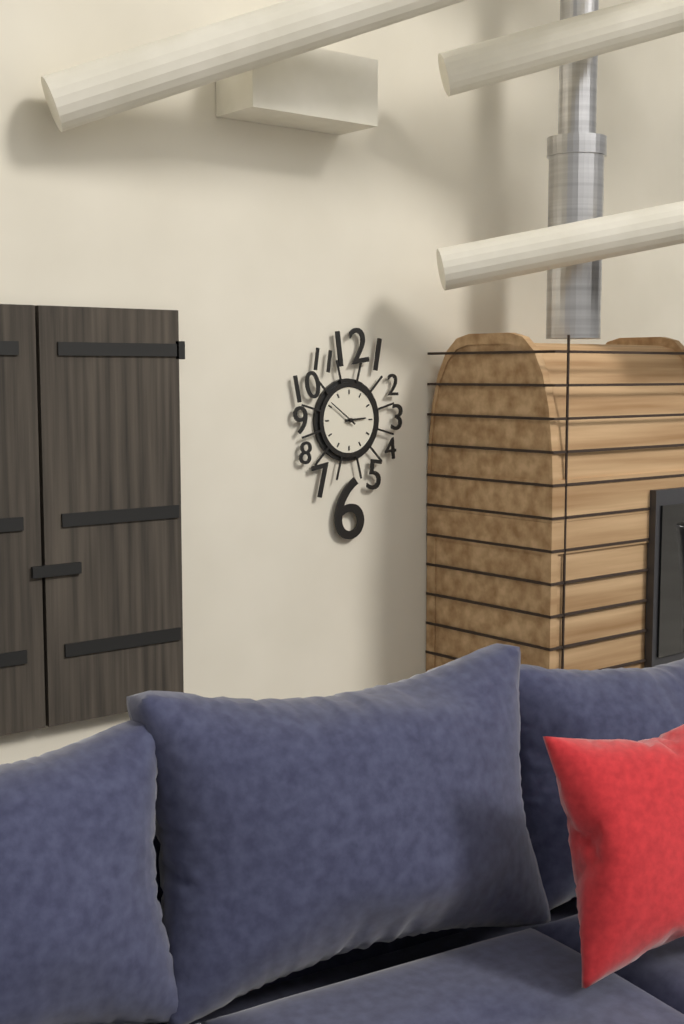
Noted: 2,51
